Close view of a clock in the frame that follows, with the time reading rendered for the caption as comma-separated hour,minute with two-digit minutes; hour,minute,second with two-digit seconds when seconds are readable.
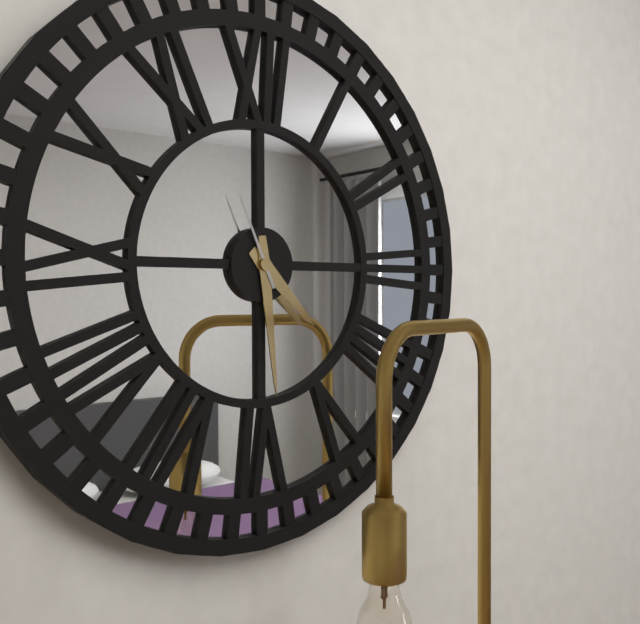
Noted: 4,29,56
